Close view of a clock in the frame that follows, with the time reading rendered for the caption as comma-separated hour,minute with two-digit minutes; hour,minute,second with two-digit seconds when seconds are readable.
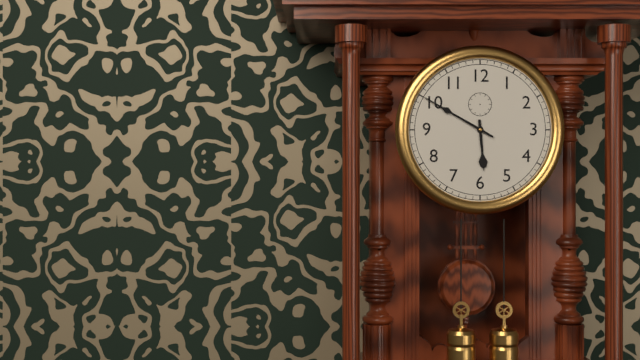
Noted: 5,50
